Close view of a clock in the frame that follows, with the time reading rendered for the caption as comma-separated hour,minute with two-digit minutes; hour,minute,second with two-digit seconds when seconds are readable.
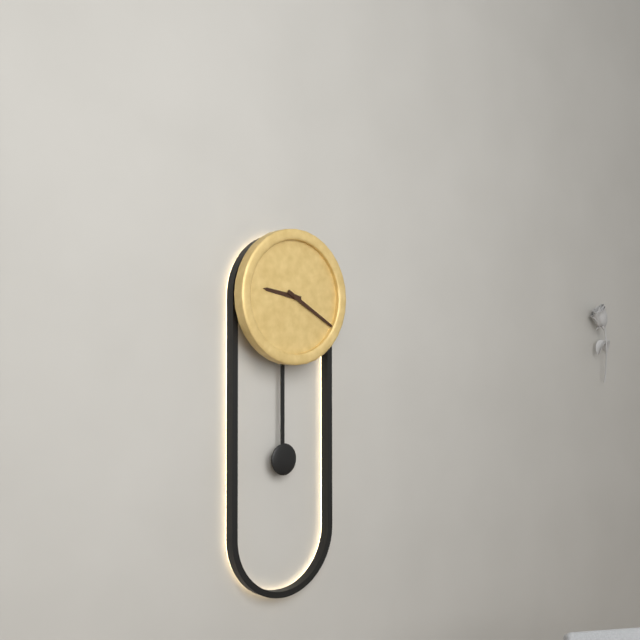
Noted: 9,20
